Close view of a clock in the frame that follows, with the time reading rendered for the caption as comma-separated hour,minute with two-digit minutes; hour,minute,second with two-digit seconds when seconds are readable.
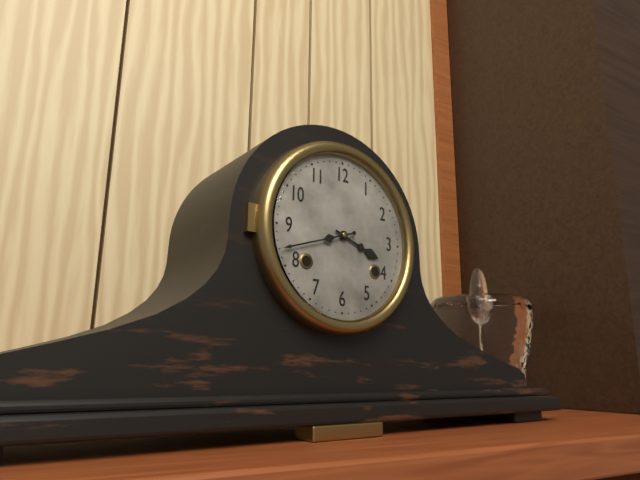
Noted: 3,42
